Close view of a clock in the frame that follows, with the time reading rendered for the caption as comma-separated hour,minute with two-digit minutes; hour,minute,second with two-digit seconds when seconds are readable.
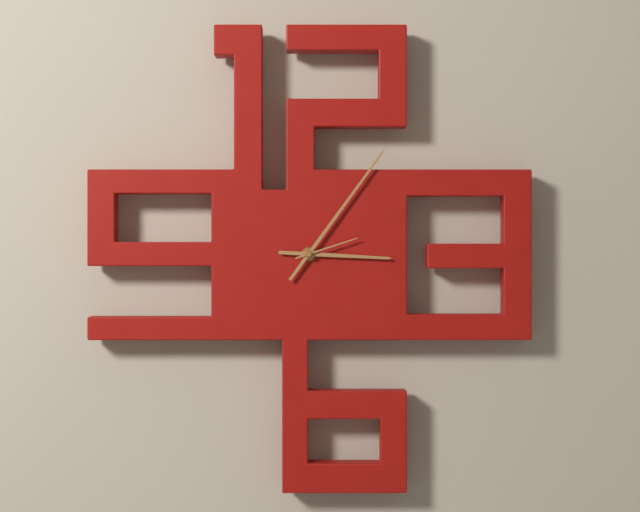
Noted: 3,06,12
